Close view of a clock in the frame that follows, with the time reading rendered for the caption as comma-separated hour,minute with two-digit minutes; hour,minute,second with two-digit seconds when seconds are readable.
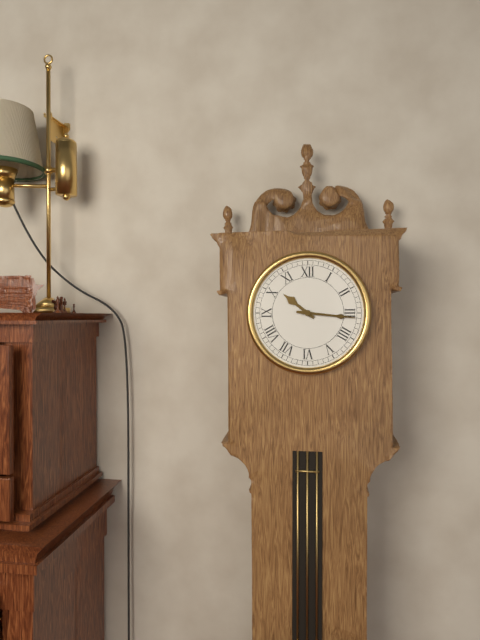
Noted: 10,16
